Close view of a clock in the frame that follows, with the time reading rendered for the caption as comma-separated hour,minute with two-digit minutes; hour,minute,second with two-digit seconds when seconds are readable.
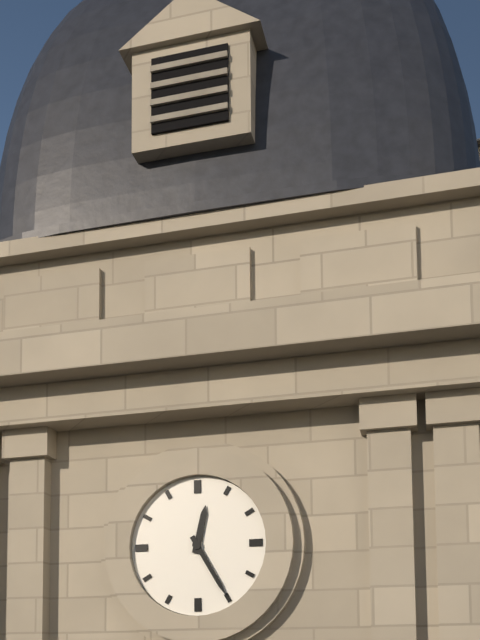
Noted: 12,25
